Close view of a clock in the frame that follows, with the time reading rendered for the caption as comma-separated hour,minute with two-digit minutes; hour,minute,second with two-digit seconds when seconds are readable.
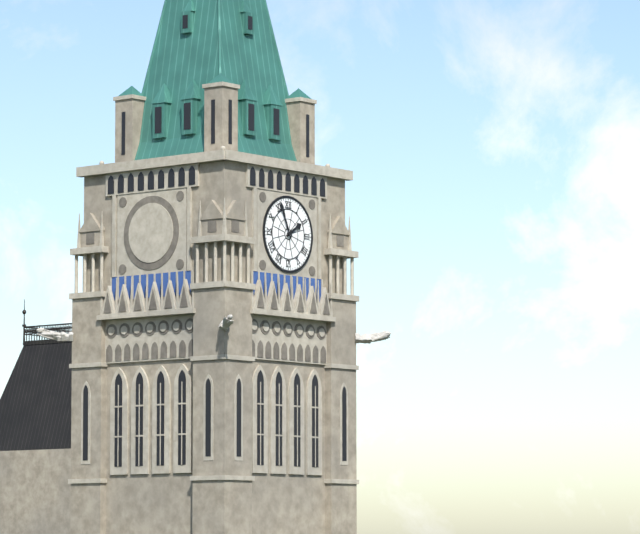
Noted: 1,56
